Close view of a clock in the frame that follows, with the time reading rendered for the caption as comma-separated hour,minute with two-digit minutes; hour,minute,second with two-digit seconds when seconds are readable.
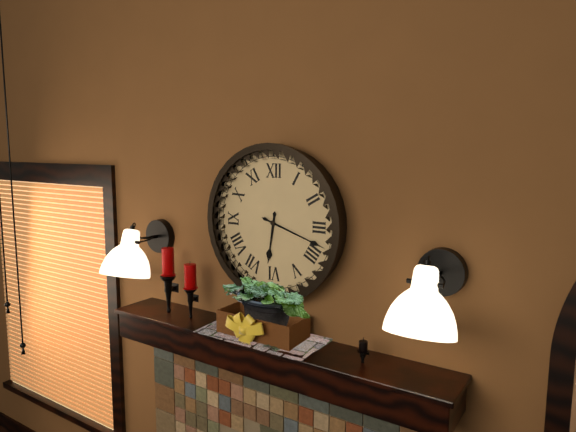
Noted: 6,18
